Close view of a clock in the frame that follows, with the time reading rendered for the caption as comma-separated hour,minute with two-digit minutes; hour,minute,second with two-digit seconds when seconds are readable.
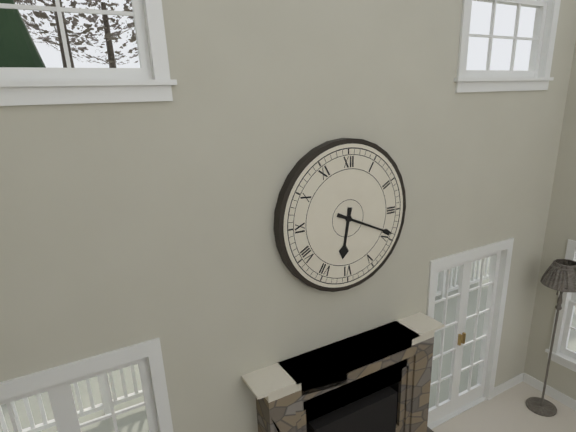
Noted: 6,19
